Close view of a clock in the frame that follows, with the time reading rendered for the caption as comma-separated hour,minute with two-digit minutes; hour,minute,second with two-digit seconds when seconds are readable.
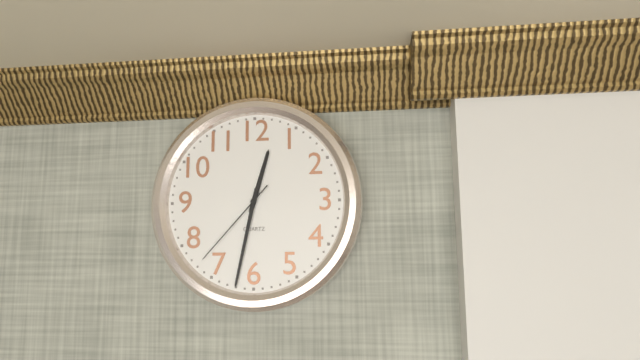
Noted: 12,32,37
